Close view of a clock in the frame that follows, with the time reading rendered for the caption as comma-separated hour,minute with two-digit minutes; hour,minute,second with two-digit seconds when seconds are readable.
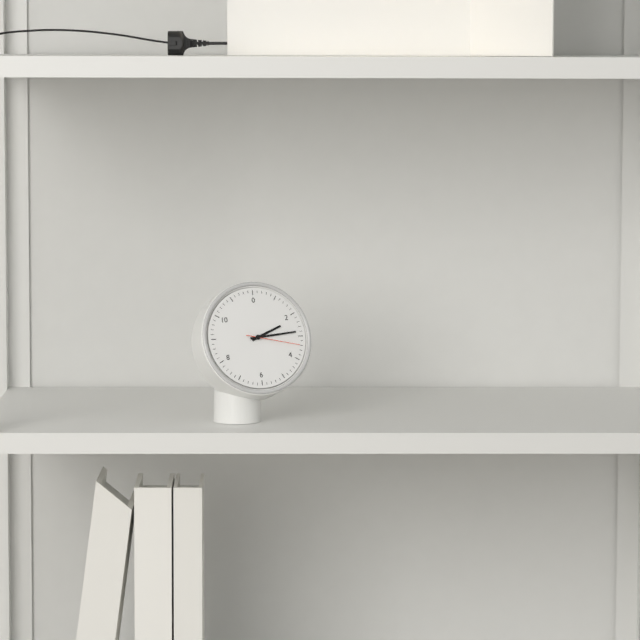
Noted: 2,14,17
